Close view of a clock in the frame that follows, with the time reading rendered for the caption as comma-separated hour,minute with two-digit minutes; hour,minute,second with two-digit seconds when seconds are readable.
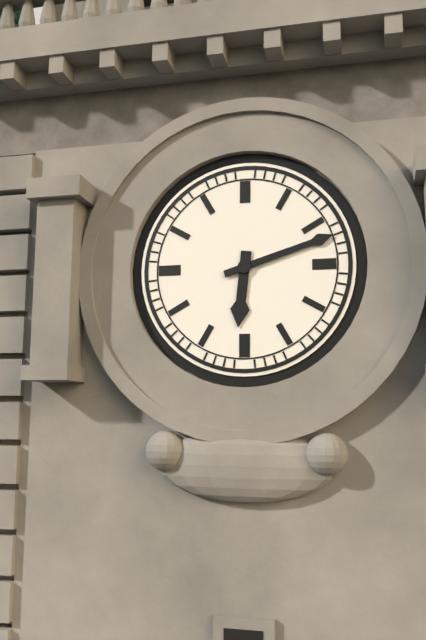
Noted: 6,12
